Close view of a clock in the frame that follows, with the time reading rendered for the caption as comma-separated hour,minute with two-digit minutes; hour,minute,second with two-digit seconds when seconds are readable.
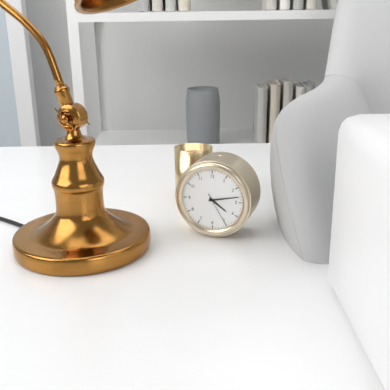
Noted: 4,13
